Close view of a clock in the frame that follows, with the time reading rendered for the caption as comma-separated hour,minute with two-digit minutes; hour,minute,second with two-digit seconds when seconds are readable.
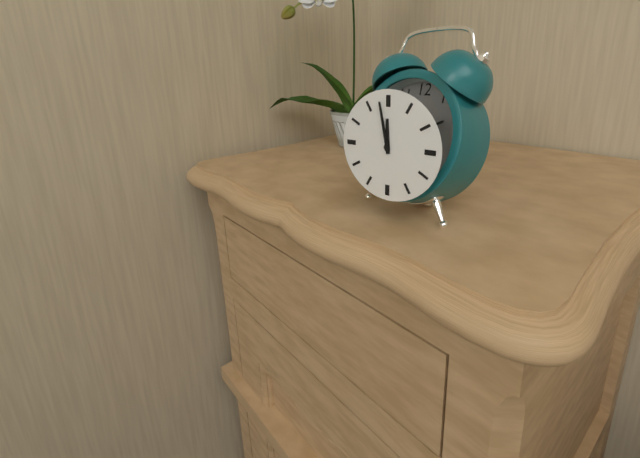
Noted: 11,58
